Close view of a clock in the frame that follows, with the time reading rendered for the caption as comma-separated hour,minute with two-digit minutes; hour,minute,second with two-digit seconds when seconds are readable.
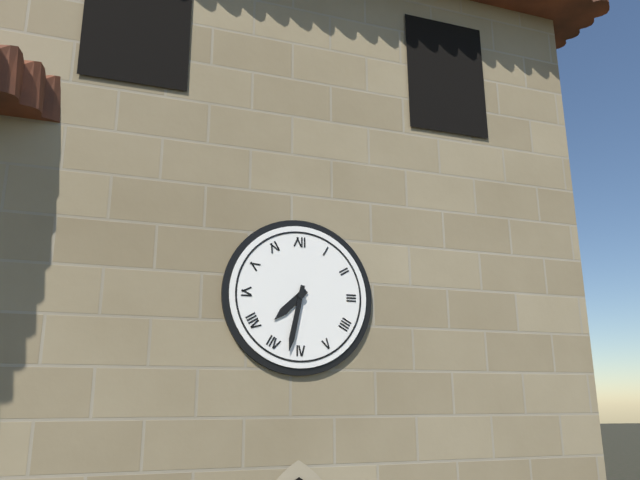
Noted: 7,32
